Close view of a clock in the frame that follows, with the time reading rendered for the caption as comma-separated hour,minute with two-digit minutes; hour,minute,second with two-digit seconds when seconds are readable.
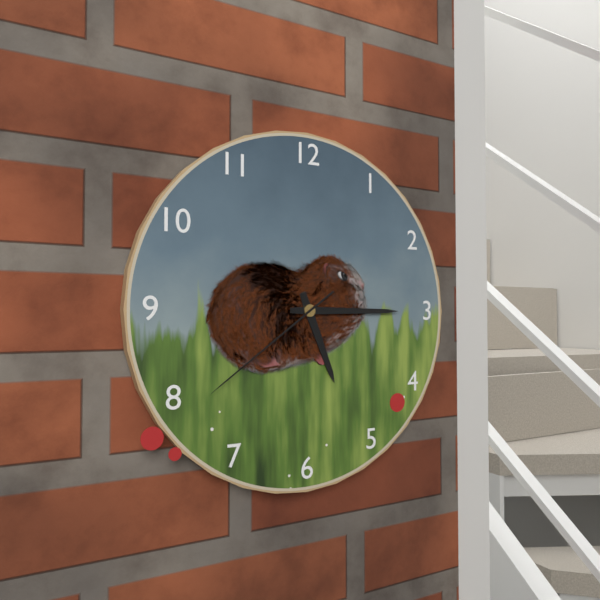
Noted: 5,15,39
